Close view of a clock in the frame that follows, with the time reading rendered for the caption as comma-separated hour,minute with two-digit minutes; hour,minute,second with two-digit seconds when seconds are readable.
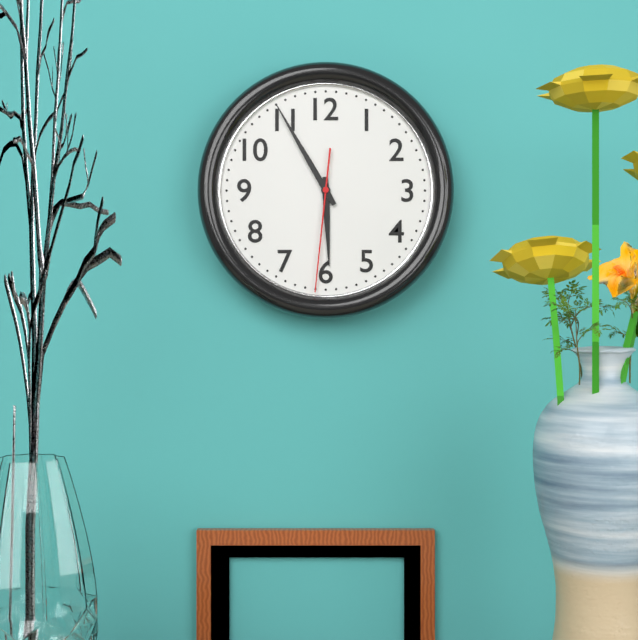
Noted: 5,55,31
